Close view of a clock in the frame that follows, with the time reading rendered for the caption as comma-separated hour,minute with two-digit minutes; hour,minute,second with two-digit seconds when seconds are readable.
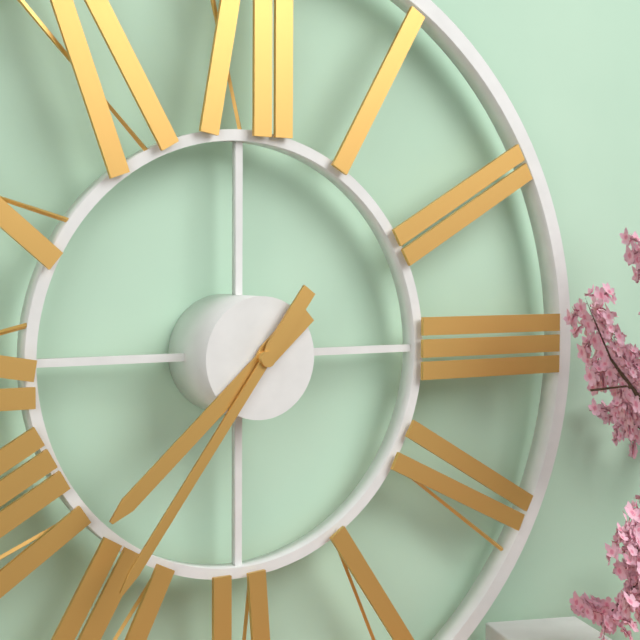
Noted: 7,36
